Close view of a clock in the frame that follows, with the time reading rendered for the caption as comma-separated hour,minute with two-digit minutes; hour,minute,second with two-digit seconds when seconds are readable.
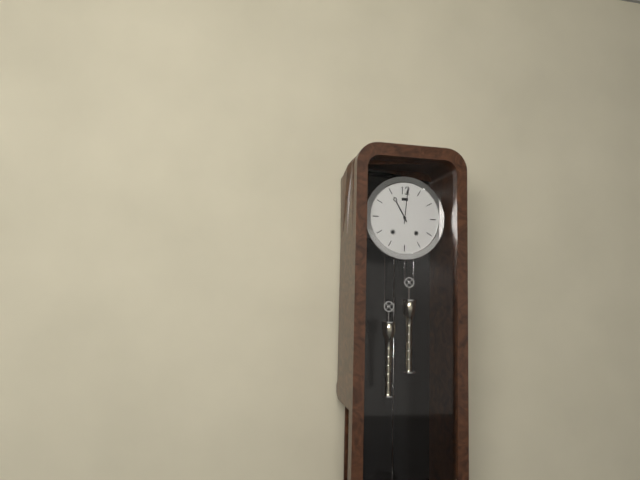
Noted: 11,01
